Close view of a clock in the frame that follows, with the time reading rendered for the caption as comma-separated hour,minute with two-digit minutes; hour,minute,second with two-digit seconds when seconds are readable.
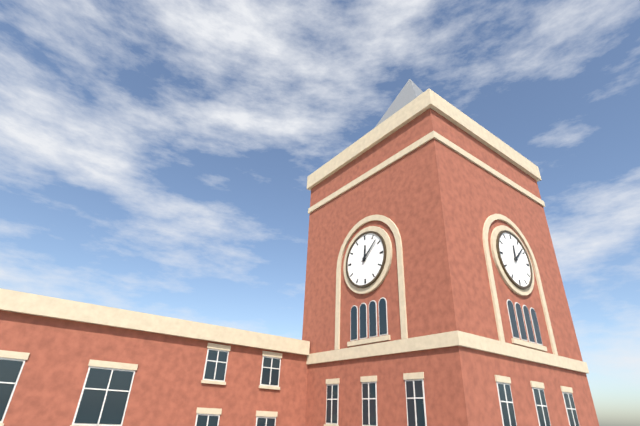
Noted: 12,08
